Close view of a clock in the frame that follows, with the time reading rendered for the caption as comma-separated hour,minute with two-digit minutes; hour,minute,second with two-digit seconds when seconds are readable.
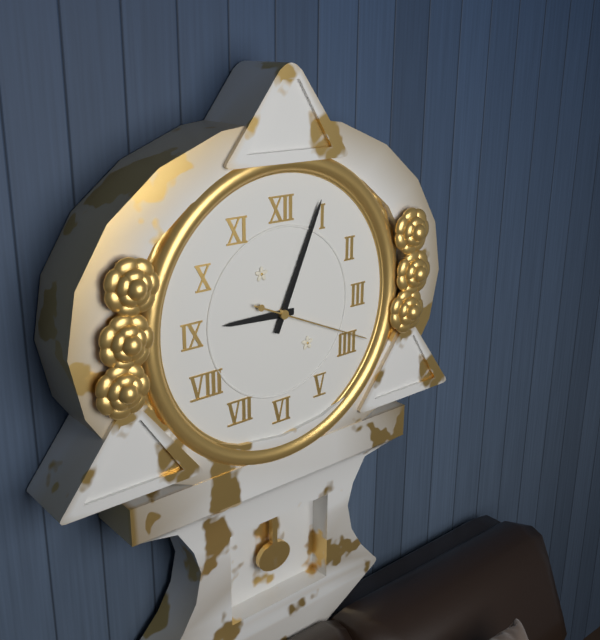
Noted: 9,04,19
